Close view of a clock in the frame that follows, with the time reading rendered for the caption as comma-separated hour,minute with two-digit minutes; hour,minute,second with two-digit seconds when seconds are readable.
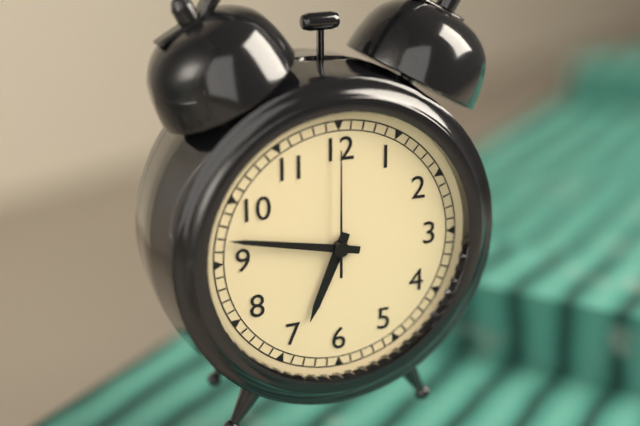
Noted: 6,47,00
